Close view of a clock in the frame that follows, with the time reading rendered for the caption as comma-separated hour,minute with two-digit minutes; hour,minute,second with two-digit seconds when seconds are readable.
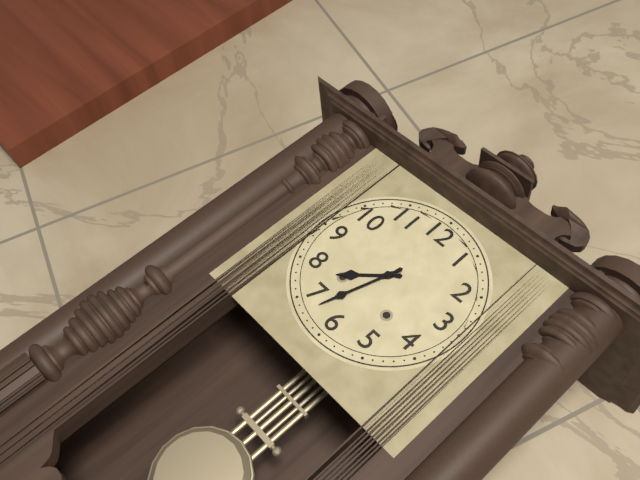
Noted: 7,33
